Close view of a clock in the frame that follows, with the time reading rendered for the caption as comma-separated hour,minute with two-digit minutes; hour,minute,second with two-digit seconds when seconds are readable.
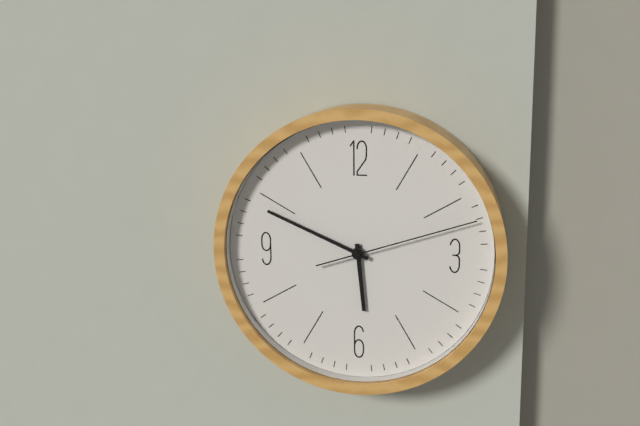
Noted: 5,49,12
